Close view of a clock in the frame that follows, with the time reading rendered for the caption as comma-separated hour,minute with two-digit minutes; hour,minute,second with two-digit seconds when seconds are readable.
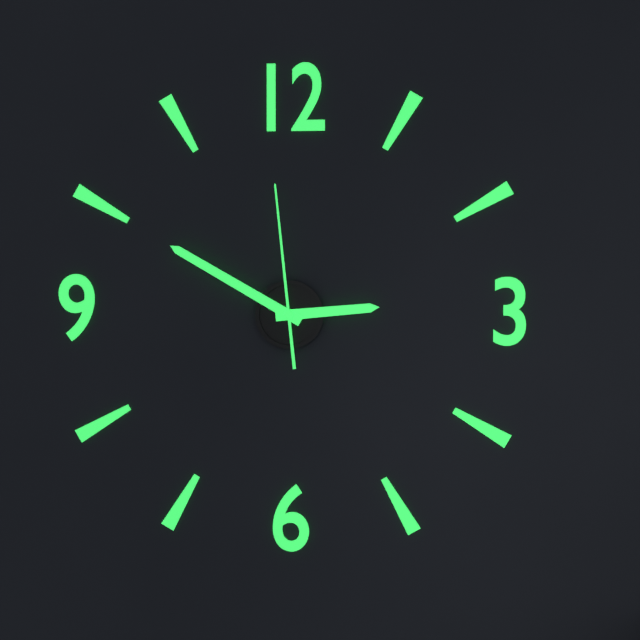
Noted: 2,50,59
